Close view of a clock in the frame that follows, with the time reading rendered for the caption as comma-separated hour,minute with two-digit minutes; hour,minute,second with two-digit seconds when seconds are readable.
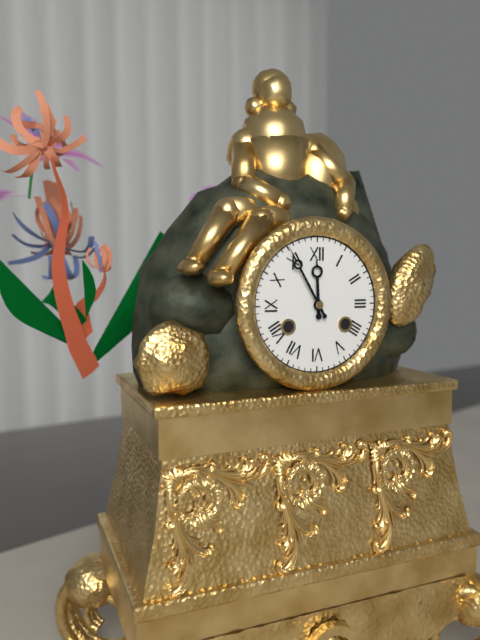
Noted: 11,55
